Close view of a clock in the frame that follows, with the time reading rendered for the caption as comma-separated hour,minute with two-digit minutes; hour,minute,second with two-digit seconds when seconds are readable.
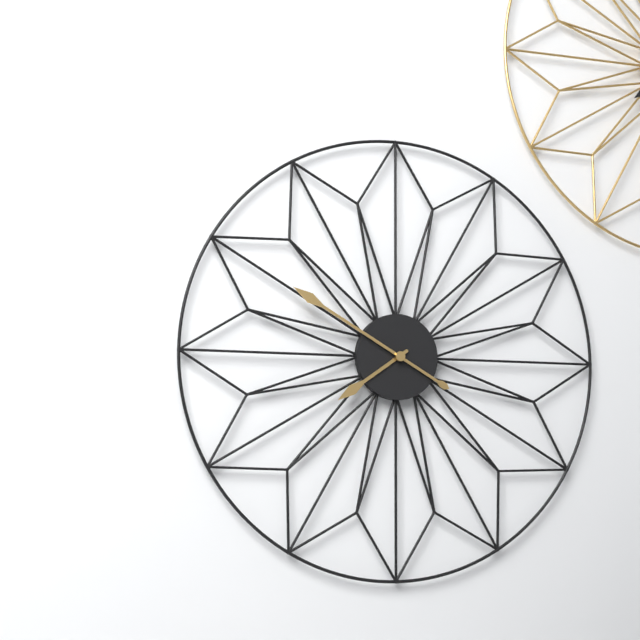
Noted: 7,50
